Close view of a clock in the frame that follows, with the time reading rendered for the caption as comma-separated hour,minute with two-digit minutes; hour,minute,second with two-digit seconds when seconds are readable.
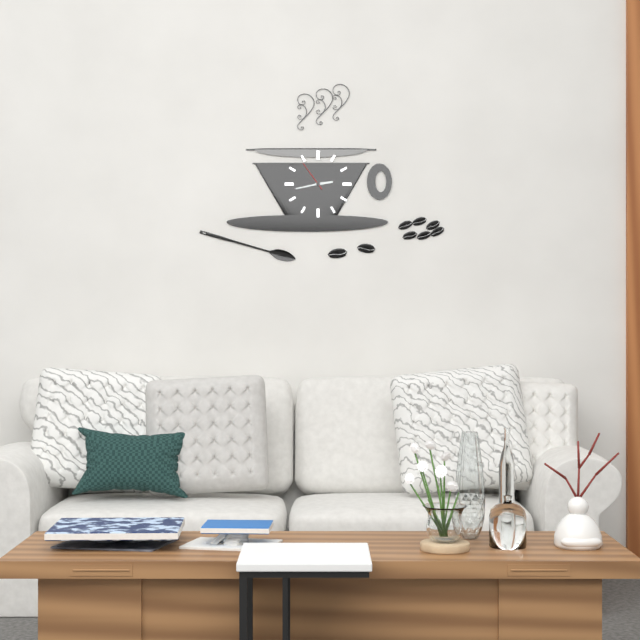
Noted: 2,43
